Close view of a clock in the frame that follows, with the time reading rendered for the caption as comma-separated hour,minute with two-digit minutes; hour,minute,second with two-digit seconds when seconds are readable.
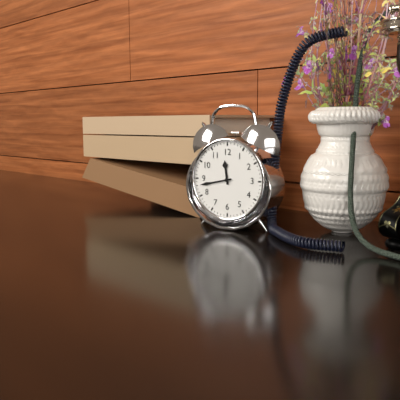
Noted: 11,43
